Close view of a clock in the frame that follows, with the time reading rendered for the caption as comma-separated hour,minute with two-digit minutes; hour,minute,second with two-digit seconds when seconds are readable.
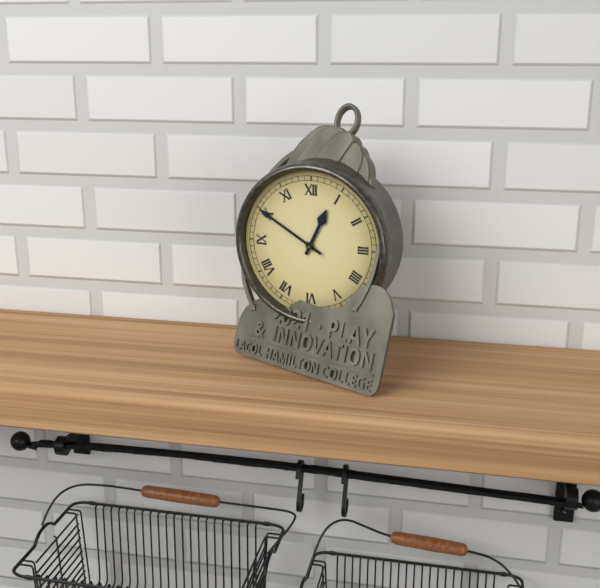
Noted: 12,50
